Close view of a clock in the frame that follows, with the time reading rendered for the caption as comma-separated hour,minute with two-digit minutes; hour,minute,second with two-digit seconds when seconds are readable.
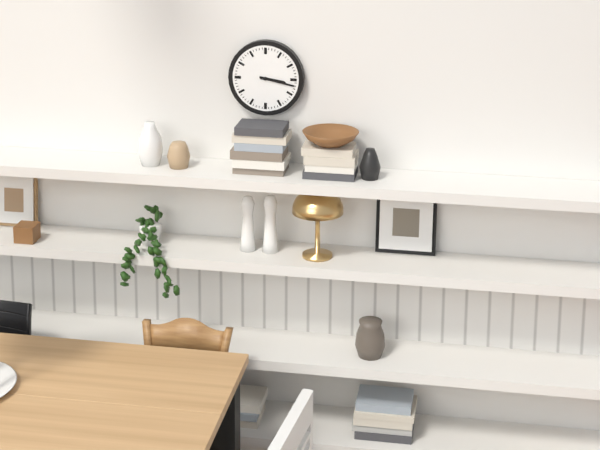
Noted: 3,17
